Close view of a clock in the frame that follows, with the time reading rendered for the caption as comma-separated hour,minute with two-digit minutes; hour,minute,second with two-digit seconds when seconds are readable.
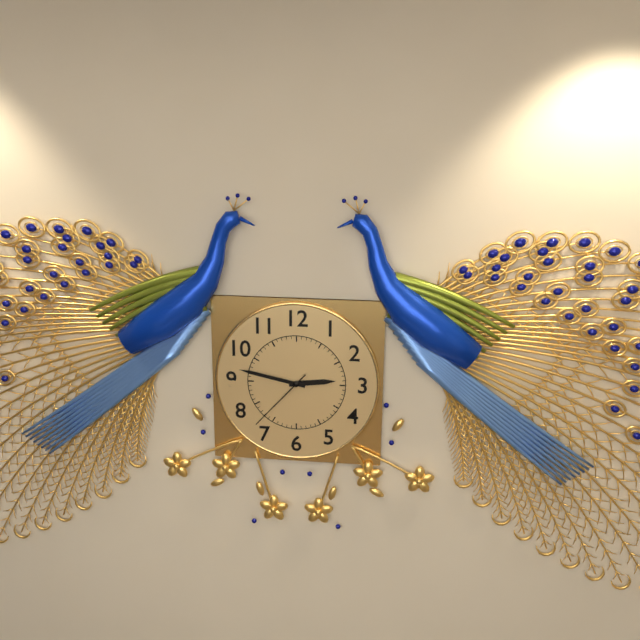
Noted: 2,47,37
